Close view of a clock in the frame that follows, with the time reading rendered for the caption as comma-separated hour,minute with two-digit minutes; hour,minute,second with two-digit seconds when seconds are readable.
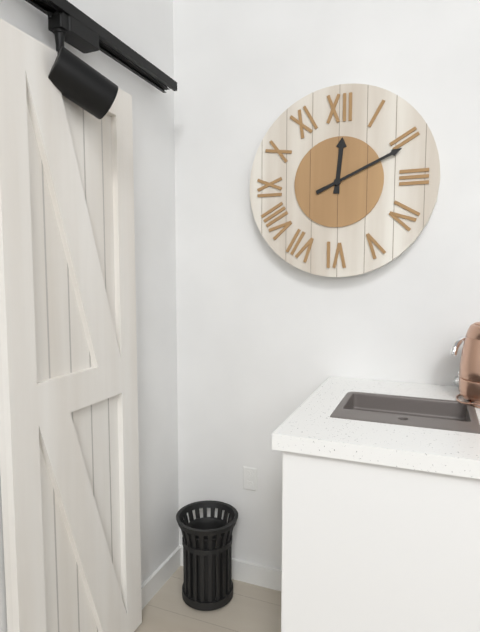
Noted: 12,11
